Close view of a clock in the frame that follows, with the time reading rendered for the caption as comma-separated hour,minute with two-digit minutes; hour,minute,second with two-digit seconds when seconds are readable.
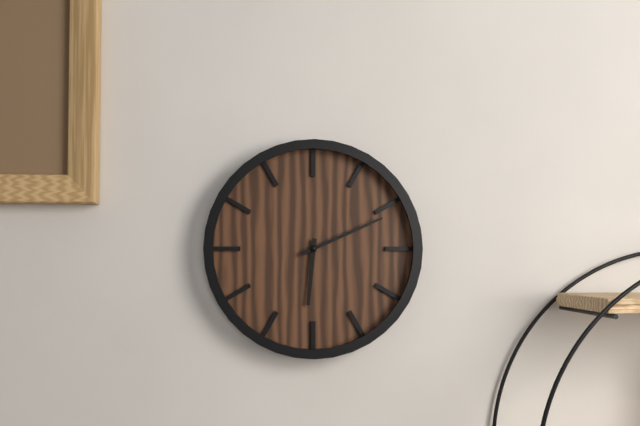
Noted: 6,11
